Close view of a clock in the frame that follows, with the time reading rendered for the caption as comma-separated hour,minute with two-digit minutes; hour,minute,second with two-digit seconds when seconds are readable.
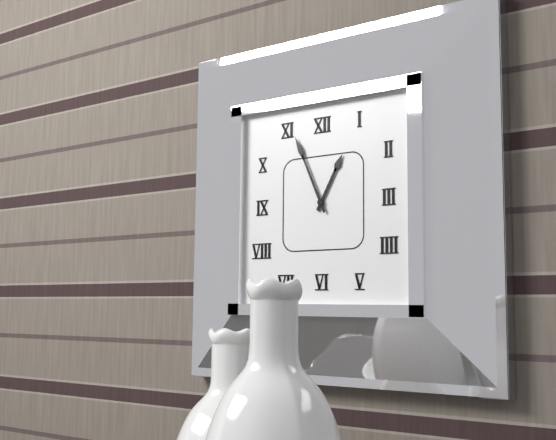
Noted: 12,56
